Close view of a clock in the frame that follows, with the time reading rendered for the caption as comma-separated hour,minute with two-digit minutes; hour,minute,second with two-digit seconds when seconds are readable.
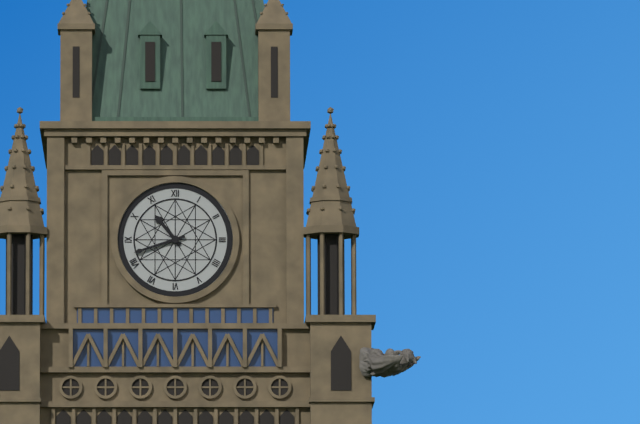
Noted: 10,42
